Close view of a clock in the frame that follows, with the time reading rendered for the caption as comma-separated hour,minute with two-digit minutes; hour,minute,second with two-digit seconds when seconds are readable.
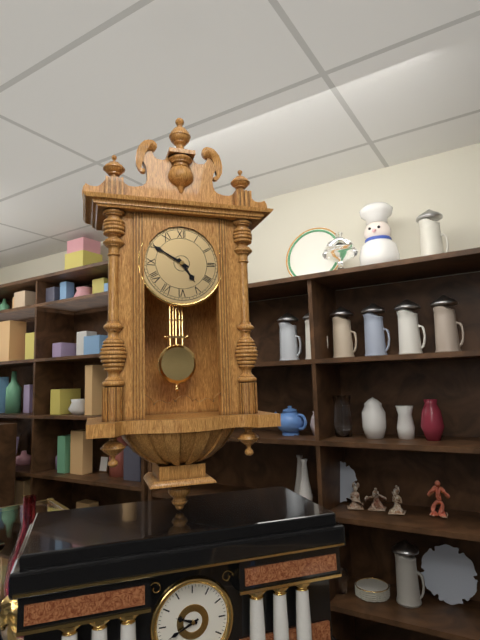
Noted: 4,50
